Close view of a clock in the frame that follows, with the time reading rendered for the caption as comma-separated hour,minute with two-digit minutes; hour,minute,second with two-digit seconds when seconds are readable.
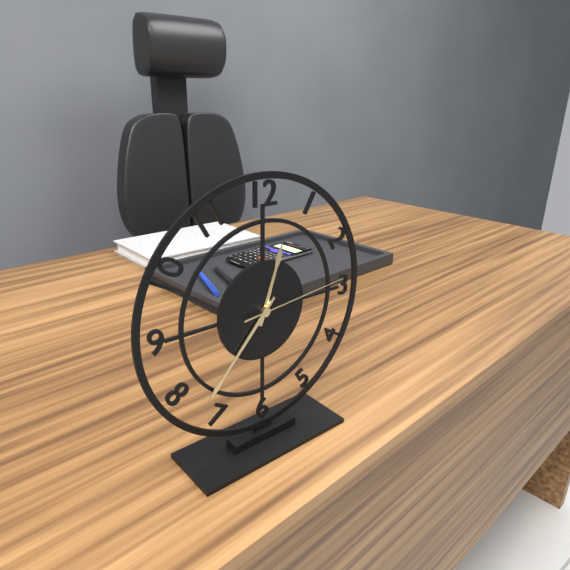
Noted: 12,37,14
